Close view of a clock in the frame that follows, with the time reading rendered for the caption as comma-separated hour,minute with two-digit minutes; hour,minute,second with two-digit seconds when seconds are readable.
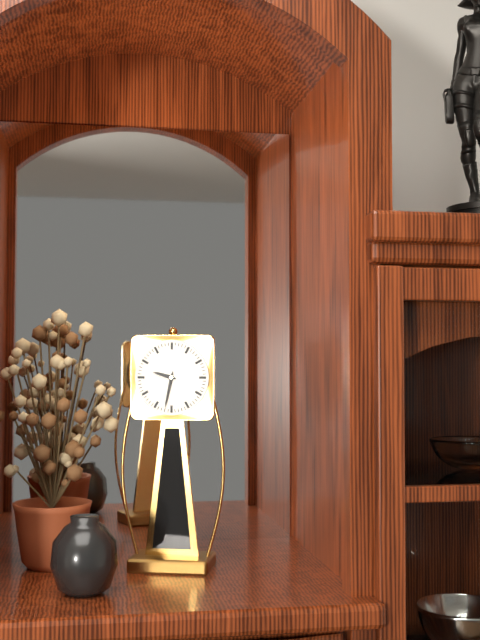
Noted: 9,32
